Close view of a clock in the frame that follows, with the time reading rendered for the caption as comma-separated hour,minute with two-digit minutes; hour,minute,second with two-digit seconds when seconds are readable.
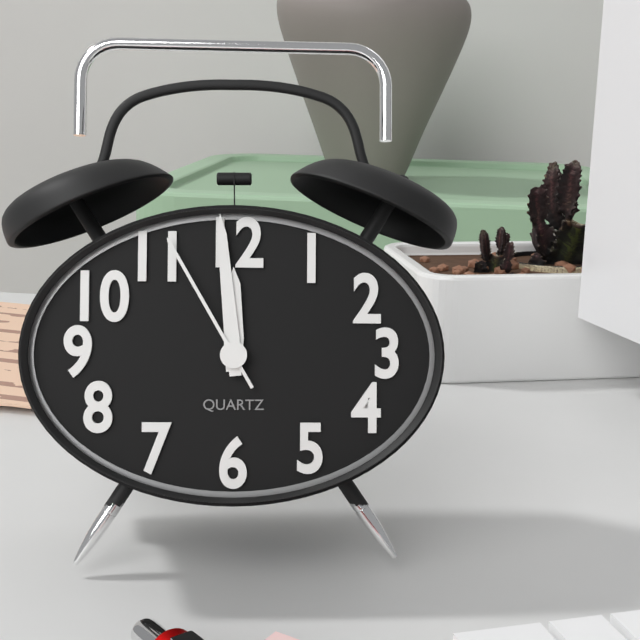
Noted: 11,59,55
